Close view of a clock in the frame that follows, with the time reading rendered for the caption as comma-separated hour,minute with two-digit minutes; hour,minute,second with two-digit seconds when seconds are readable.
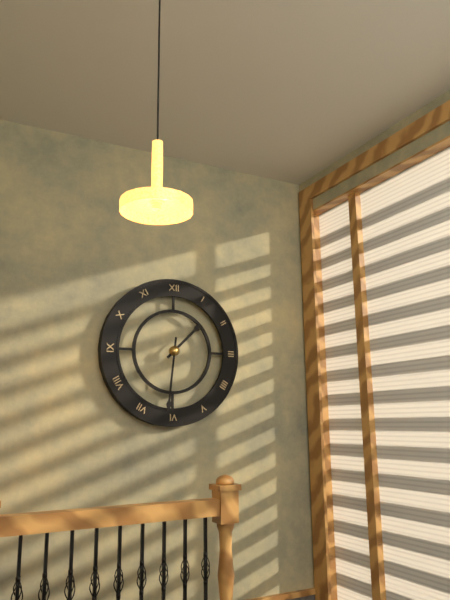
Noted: 1,31
